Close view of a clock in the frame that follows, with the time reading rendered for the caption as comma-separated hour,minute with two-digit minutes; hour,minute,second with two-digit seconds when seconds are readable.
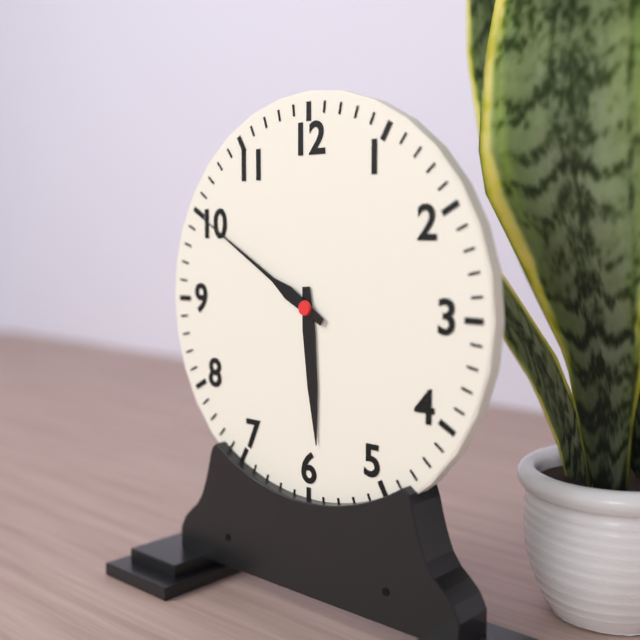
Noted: 5,50
